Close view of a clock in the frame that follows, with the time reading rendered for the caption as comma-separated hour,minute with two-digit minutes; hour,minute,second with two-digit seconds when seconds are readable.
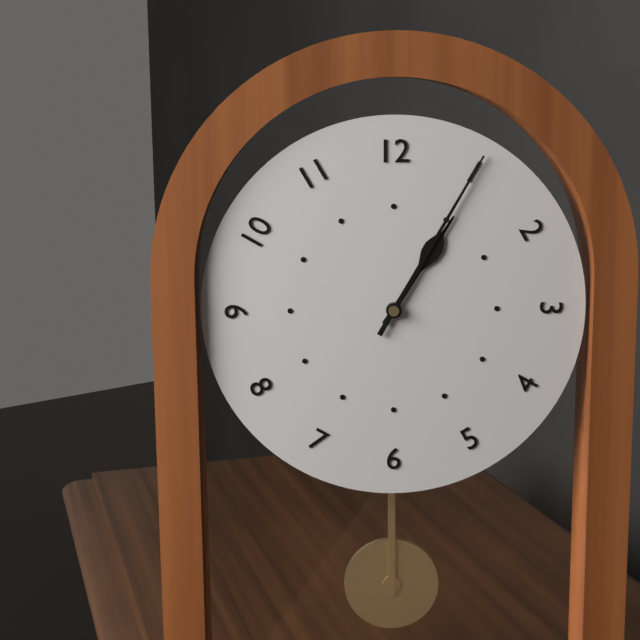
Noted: 1,05
